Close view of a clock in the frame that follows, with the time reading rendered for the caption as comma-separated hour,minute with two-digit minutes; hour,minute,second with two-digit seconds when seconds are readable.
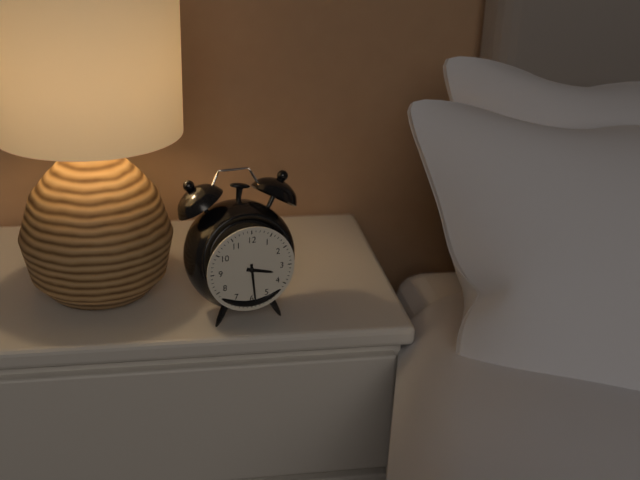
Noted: 3,29
